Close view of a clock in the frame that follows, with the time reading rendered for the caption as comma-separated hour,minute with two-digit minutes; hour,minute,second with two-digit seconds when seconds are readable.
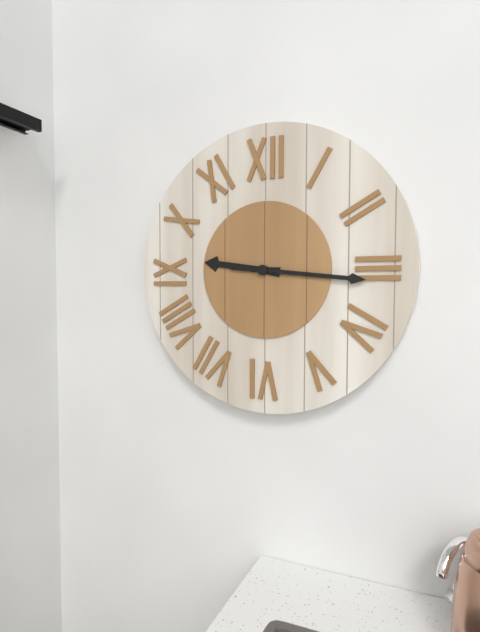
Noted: 9,16
